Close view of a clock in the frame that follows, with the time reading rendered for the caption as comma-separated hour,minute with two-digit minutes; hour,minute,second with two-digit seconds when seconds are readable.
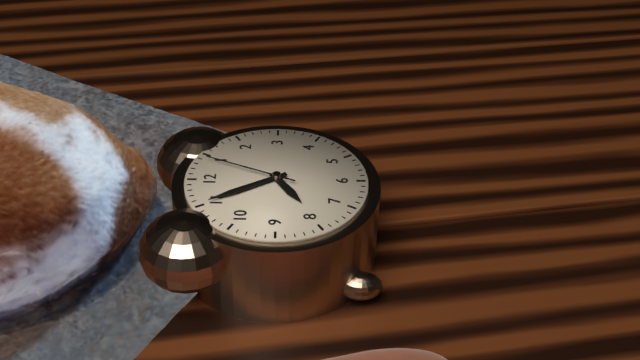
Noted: 7,55,04
